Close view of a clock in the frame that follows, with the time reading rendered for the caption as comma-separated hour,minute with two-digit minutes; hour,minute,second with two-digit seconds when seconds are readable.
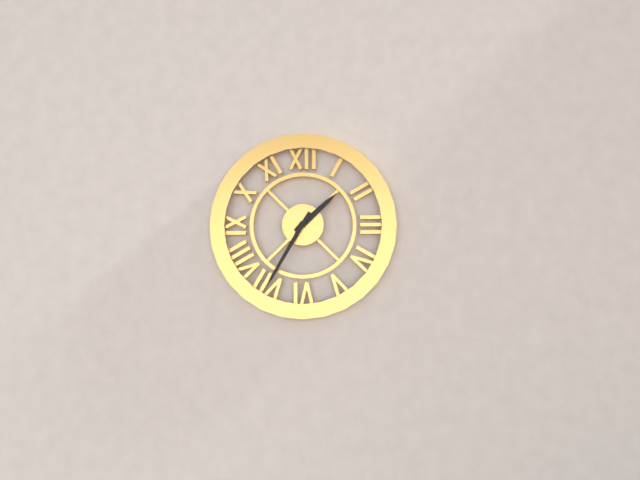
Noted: 1,35
